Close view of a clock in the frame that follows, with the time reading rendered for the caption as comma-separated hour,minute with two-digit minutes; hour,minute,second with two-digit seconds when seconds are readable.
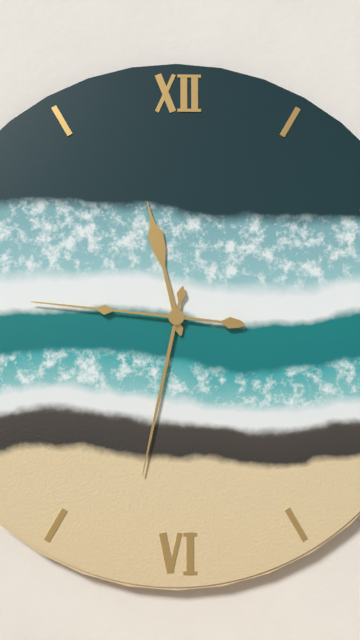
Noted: 11,32,46
